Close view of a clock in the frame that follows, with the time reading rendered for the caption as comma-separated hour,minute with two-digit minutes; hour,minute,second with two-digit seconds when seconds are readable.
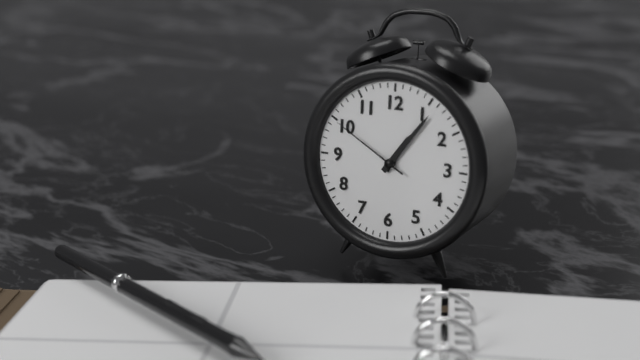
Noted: 1,06,50
